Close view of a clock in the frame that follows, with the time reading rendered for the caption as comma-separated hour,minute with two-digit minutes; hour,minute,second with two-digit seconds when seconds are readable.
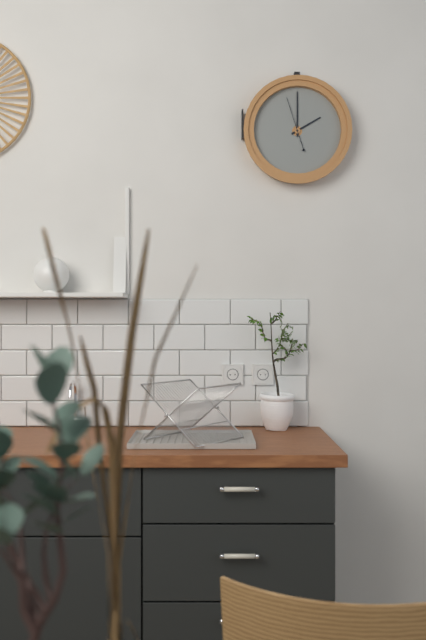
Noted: 2,00
